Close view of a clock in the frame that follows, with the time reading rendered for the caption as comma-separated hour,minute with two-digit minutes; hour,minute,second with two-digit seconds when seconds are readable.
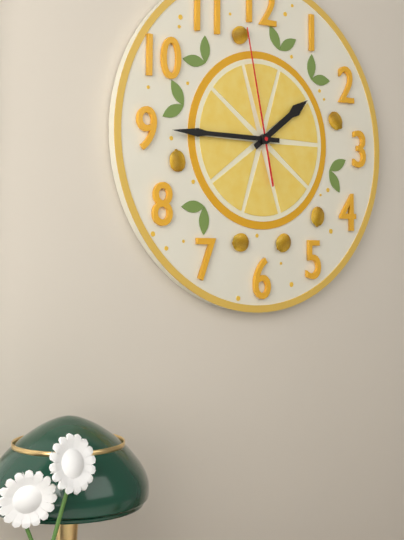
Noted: 1,45,58
